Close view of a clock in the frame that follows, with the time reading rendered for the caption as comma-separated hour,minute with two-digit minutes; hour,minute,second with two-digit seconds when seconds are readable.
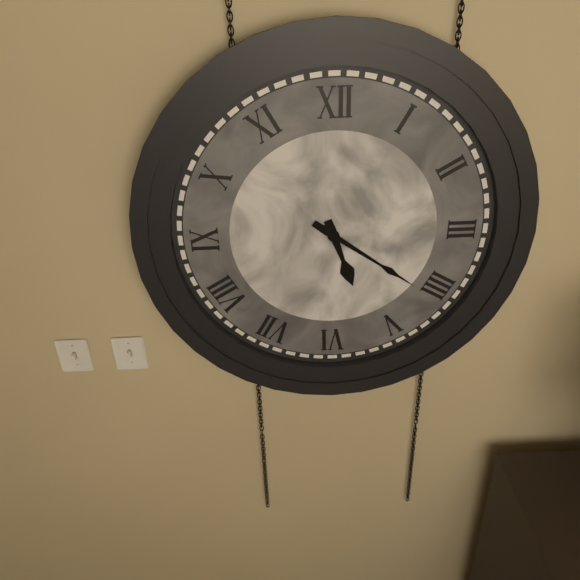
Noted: 5,21
